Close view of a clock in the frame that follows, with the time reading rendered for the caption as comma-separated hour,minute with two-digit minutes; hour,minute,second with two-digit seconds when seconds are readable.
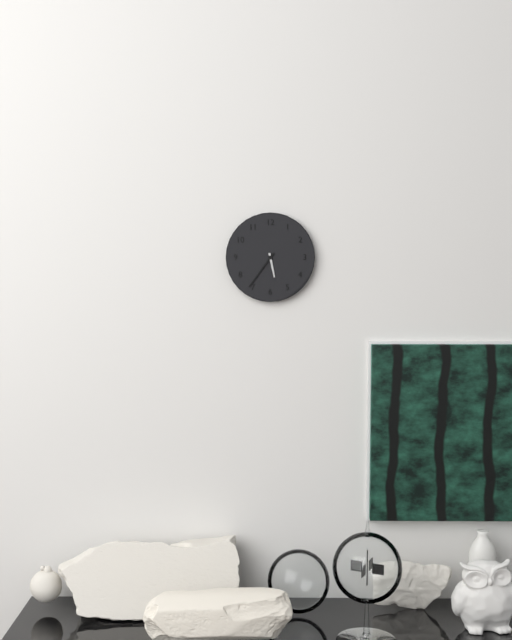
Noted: 5,36
